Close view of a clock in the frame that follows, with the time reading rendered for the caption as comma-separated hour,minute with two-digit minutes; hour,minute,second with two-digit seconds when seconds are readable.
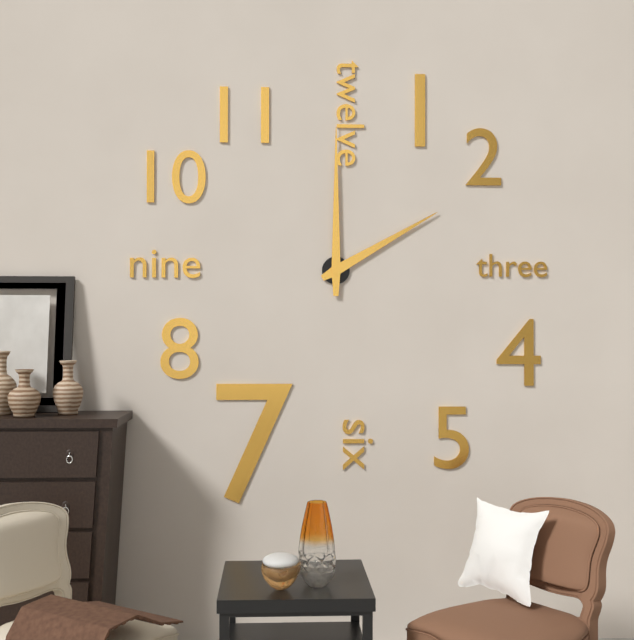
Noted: 2,00
